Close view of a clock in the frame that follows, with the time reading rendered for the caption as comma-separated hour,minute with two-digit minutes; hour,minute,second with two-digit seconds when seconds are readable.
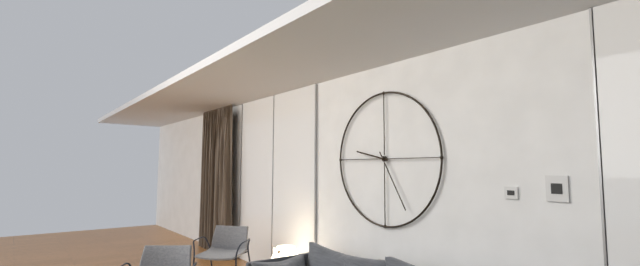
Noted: 9,25
